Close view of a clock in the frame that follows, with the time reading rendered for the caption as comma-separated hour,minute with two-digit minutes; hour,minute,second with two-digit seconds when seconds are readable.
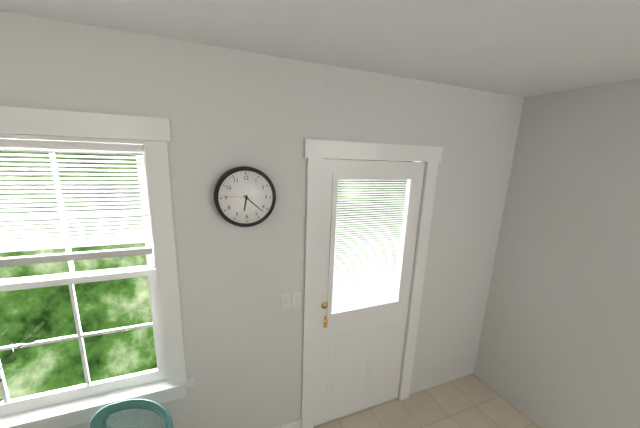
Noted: 6,22
